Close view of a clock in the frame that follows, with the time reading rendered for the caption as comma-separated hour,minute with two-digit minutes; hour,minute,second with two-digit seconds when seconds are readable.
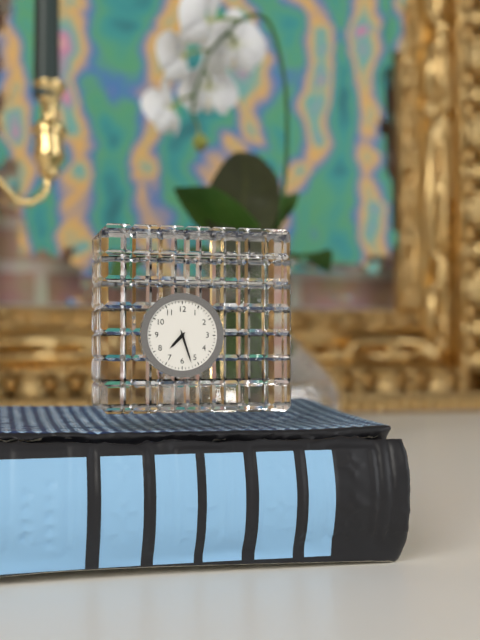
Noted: 7,27
